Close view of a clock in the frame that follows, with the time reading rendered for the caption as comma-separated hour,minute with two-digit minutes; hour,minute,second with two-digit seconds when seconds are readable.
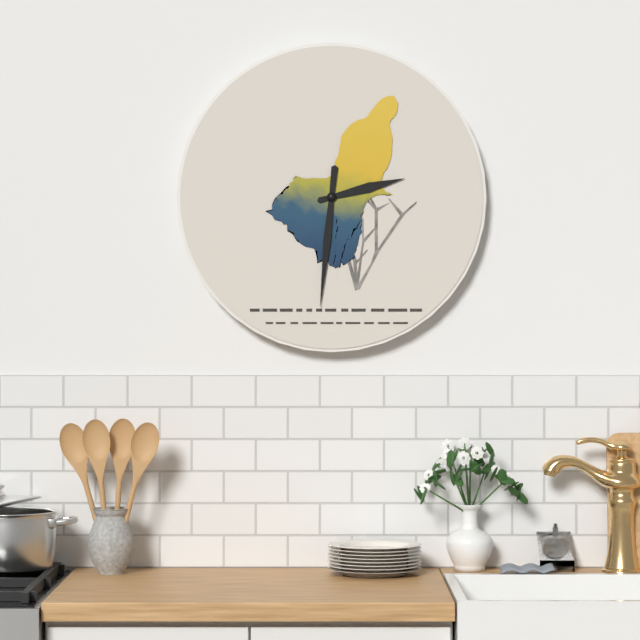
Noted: 2,31
